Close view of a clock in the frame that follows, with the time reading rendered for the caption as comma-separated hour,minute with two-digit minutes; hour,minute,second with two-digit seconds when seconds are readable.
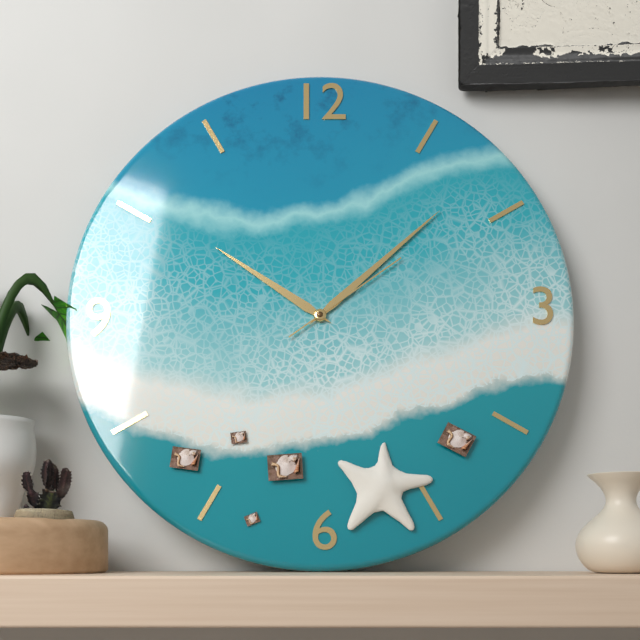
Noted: 10,08,09
